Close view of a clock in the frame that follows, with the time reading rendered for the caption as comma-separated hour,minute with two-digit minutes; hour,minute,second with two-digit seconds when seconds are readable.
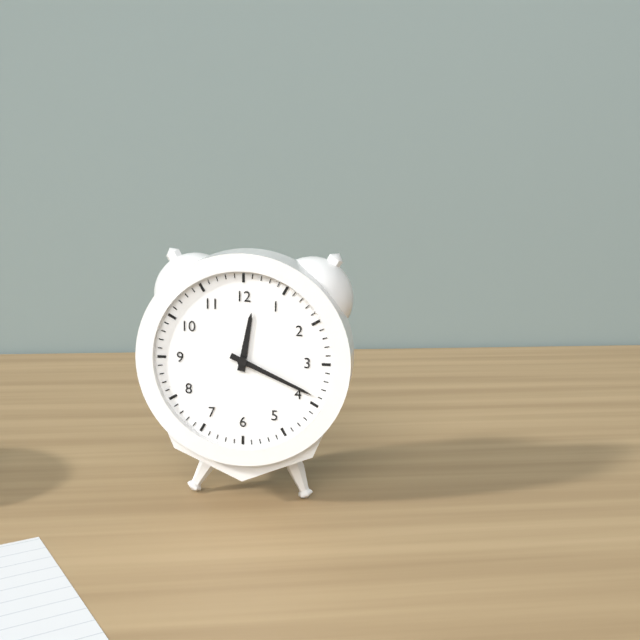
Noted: 12,19
